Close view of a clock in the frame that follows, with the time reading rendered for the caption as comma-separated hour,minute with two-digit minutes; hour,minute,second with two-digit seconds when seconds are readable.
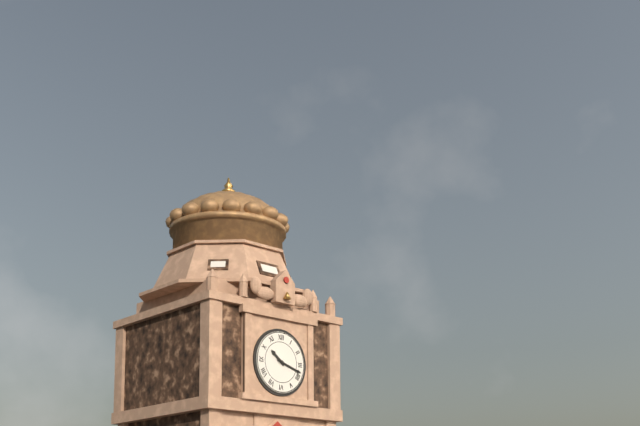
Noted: 10,18
